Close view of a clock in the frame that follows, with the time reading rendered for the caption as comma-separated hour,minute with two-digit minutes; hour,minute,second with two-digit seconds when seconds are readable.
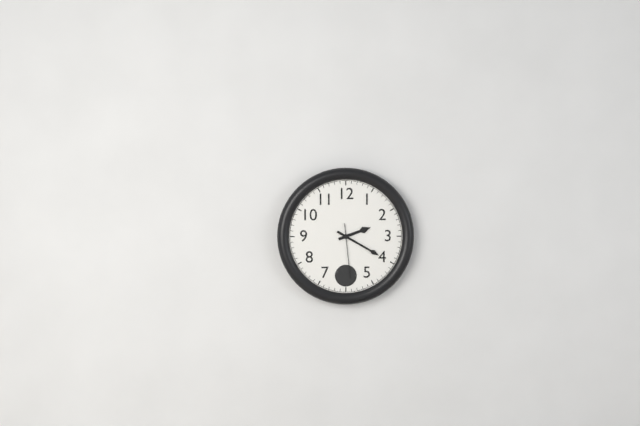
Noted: 2,20,29
